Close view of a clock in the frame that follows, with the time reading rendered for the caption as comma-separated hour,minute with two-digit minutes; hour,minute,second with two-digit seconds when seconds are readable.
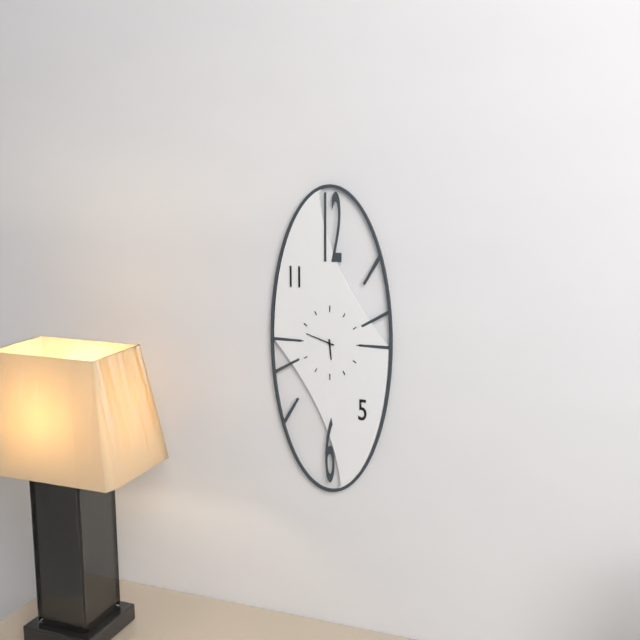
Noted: 5,48
